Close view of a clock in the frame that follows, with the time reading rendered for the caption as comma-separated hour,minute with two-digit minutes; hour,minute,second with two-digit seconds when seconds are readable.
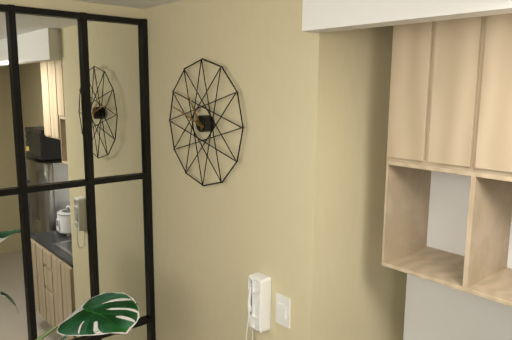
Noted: 10,48
